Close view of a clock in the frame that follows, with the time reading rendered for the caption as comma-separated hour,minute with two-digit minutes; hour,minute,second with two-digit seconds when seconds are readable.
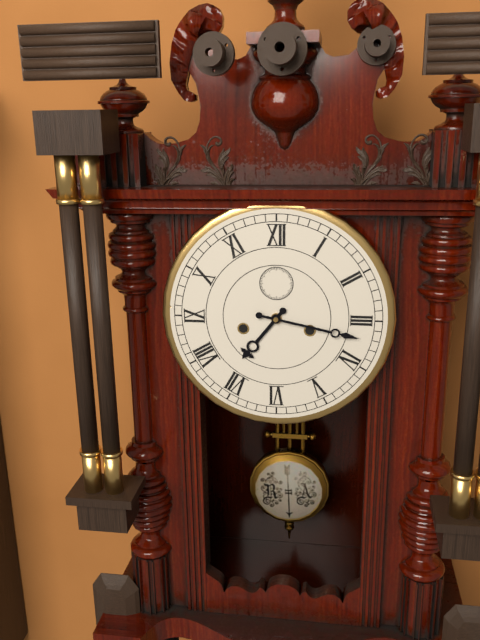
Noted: 7,17
